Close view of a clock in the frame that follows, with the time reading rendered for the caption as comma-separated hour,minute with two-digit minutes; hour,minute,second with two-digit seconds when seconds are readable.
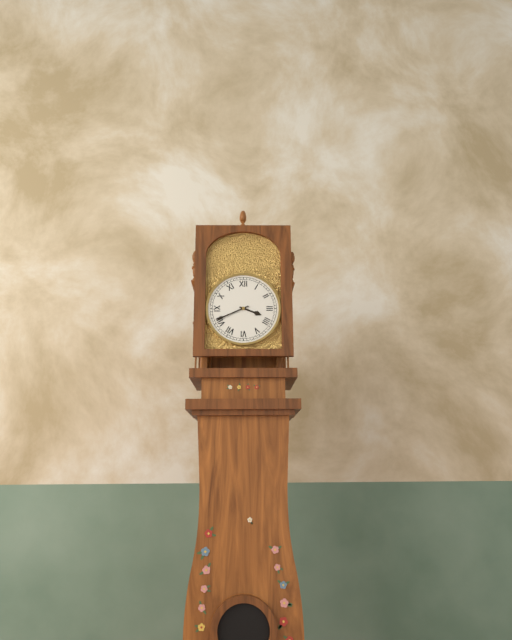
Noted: 3,41
